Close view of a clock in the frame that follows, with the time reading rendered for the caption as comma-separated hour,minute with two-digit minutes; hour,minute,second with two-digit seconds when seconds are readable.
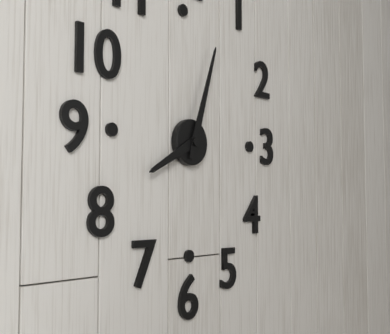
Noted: 8,03
